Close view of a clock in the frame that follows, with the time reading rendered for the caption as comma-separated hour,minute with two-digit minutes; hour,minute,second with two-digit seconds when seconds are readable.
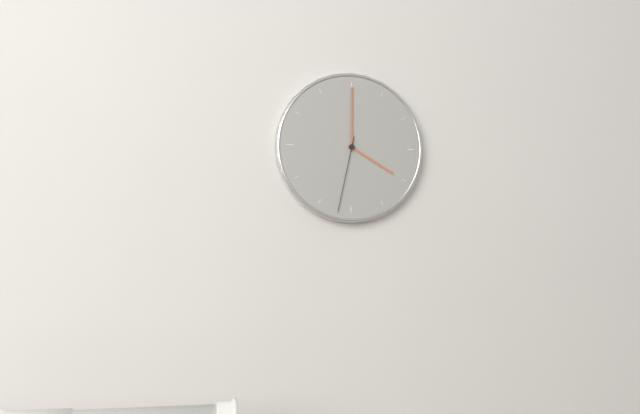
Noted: 4,00,32
